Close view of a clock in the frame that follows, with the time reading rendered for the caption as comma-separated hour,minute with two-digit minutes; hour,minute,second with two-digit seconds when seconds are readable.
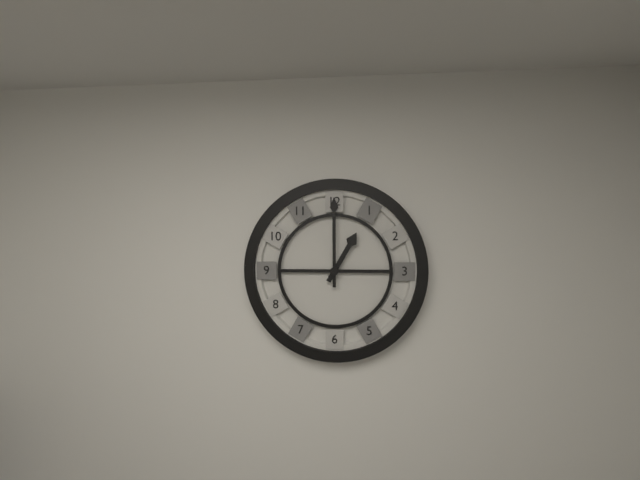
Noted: 1,00
